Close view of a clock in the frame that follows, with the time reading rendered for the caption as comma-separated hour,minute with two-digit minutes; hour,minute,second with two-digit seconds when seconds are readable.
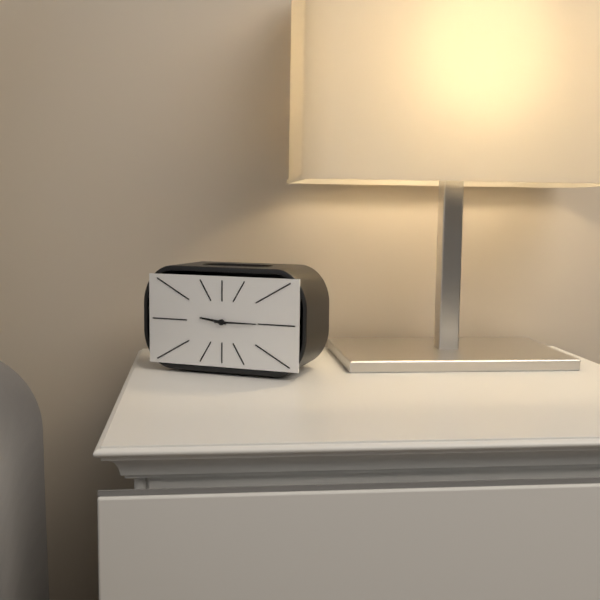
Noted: 9,15
